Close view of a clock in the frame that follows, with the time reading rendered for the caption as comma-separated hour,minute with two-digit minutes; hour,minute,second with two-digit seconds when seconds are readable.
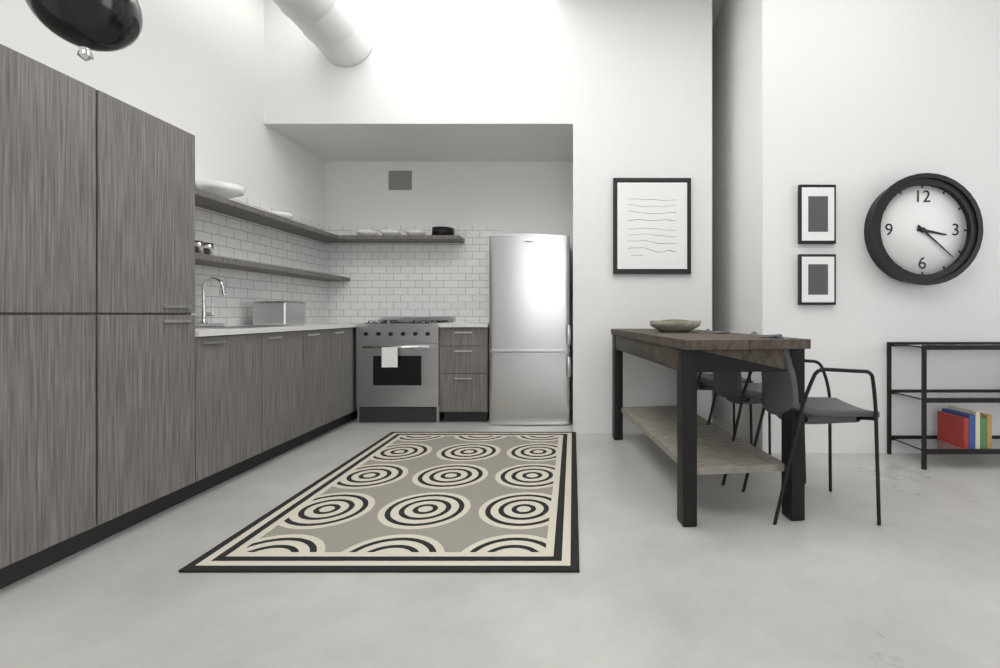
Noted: 3,22
